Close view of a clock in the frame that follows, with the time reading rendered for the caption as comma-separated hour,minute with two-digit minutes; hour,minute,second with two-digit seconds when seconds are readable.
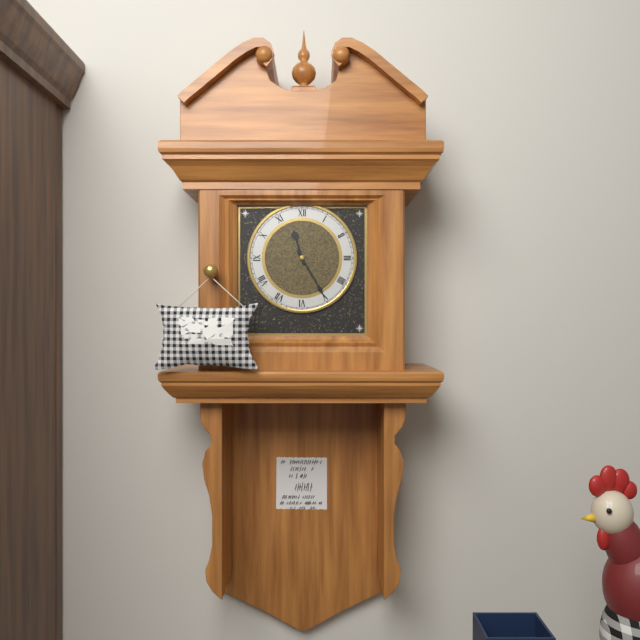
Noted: 11,25
